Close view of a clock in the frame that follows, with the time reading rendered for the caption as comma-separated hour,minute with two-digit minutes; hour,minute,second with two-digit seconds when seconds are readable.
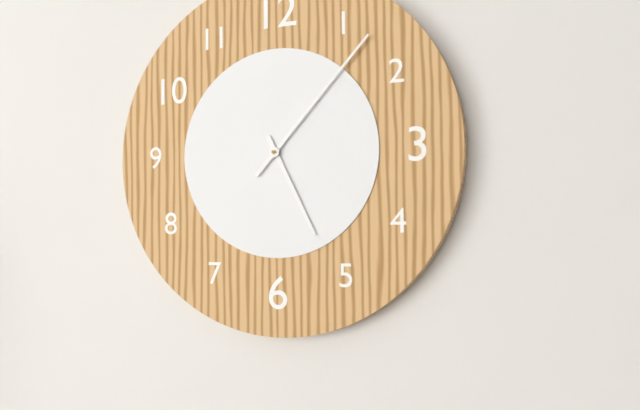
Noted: 5,07
